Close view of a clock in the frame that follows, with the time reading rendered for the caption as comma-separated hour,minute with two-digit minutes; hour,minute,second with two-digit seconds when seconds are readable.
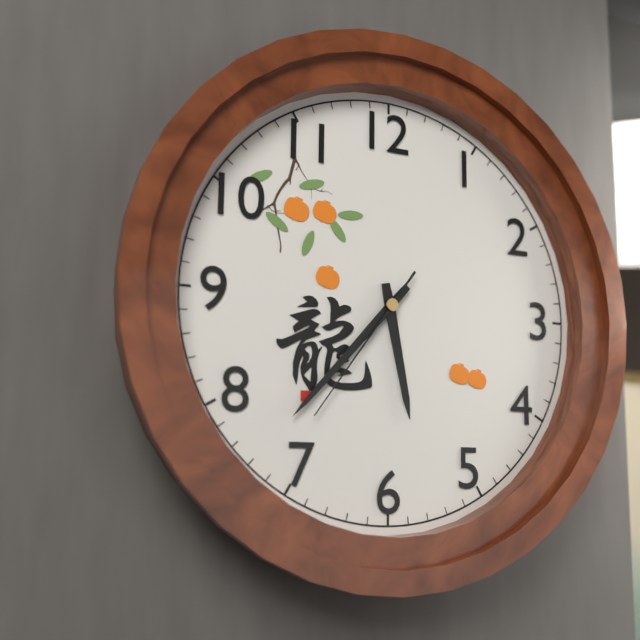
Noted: 5,37,36
